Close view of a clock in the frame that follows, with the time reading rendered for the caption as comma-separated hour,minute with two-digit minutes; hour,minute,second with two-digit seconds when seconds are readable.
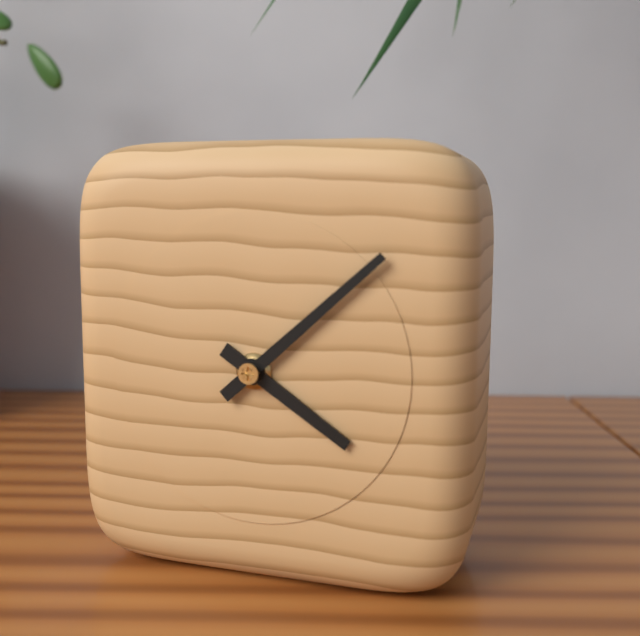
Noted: 4,08
